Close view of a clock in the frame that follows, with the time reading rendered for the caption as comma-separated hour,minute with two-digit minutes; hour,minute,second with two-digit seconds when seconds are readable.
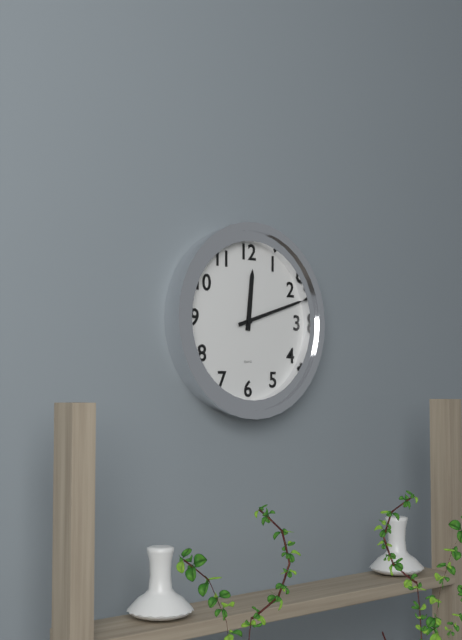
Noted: 12,12
